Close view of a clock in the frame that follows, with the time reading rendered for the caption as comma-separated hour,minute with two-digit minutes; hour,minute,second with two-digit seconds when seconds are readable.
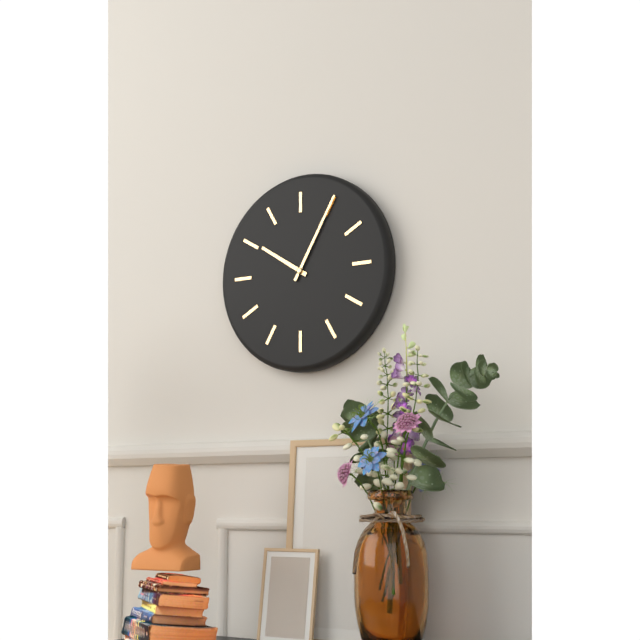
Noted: 10,05
